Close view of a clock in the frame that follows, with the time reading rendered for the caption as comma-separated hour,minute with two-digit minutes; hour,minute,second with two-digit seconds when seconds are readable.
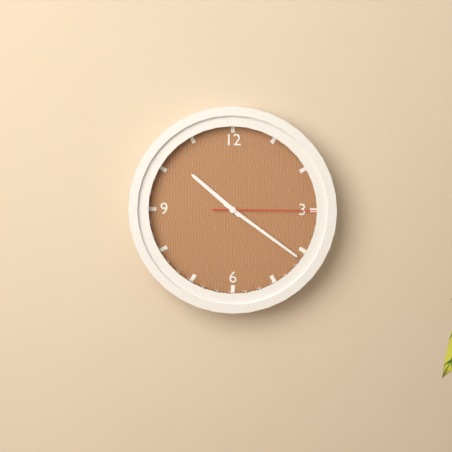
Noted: 10,21,15
